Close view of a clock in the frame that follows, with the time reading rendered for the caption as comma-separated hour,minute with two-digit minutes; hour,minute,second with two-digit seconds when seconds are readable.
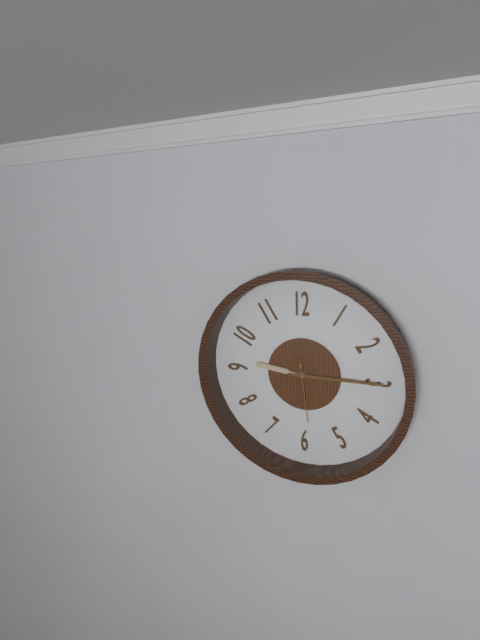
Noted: 9,15,29
